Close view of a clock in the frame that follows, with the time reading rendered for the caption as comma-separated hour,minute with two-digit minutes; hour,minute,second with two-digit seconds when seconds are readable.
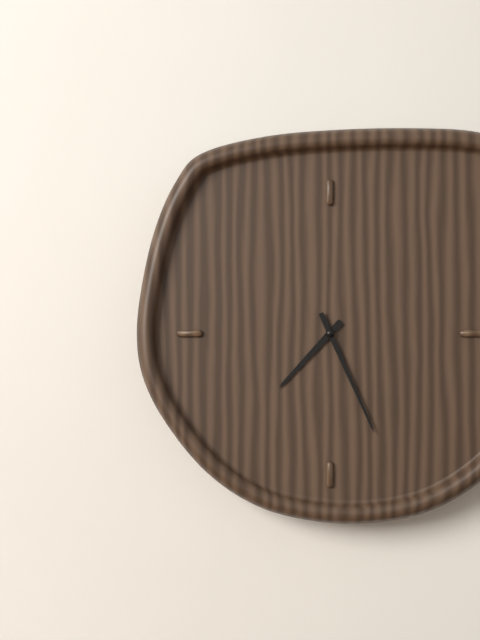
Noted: 7,26
